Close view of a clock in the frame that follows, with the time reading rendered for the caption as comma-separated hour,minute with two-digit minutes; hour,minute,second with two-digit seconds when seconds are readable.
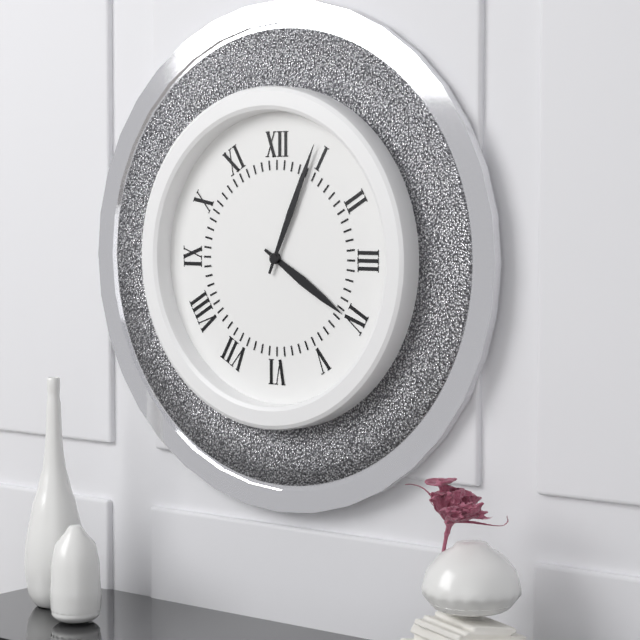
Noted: 4,04
